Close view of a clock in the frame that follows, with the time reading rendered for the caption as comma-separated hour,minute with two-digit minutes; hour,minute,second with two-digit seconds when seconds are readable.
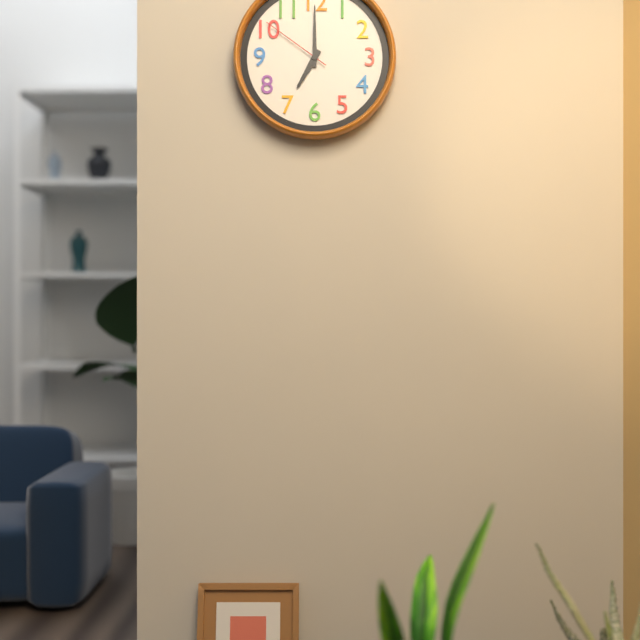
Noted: 7,00,51
